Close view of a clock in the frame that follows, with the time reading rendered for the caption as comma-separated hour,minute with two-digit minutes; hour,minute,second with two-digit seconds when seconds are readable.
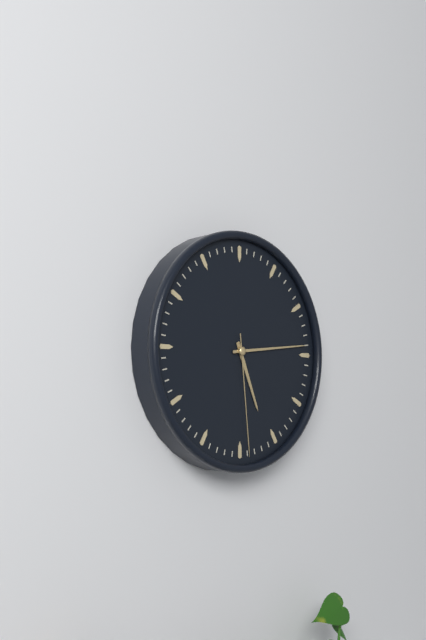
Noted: 5,14,29
